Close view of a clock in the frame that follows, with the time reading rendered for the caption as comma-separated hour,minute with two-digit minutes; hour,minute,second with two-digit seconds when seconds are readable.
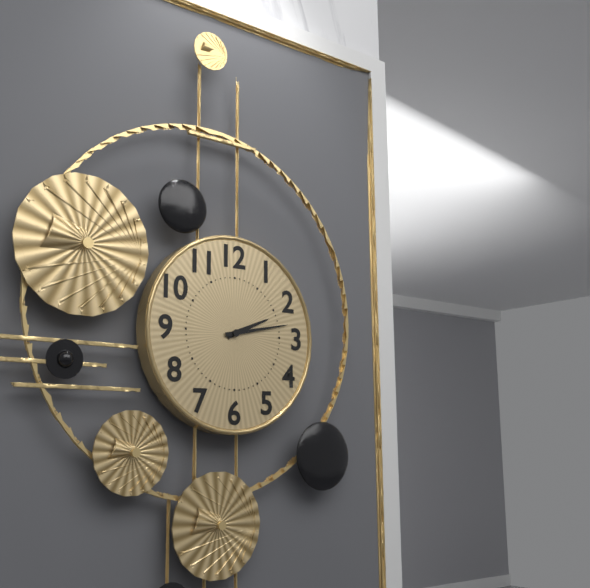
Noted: 2,13
